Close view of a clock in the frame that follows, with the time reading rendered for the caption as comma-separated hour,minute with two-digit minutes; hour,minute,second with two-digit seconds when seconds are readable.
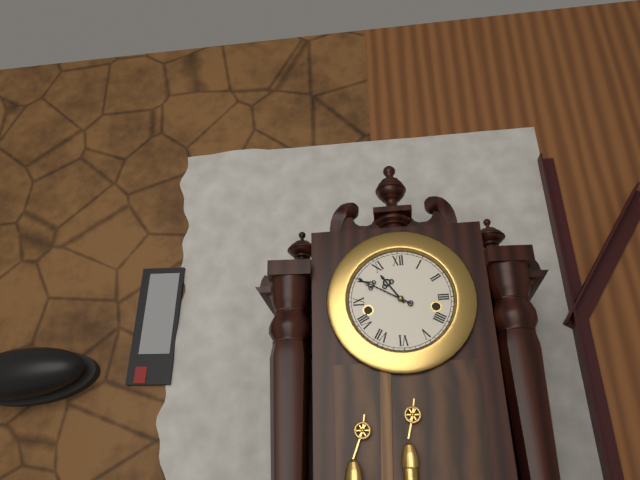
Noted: 10,50
